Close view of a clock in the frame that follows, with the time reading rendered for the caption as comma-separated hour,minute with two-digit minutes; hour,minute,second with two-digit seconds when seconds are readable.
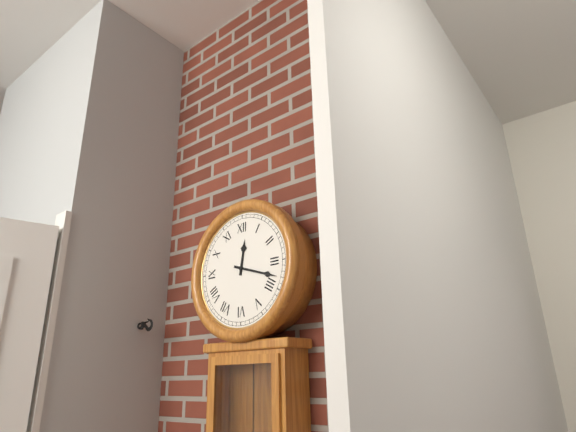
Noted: 12,18
